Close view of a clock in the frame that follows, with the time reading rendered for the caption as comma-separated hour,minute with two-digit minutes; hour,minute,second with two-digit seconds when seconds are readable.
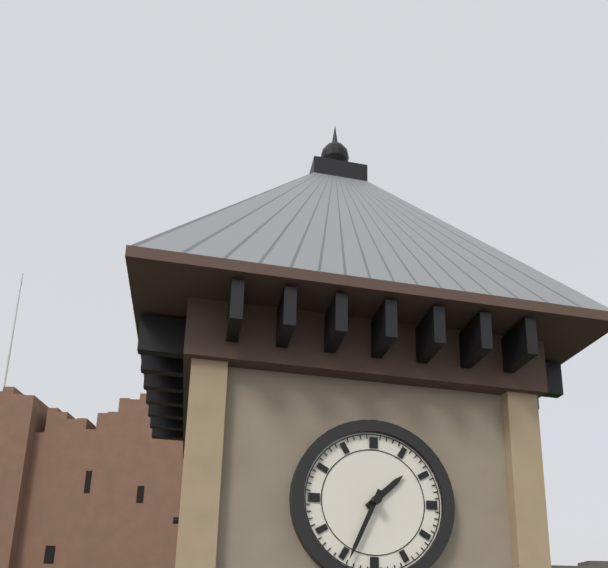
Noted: 1,34
